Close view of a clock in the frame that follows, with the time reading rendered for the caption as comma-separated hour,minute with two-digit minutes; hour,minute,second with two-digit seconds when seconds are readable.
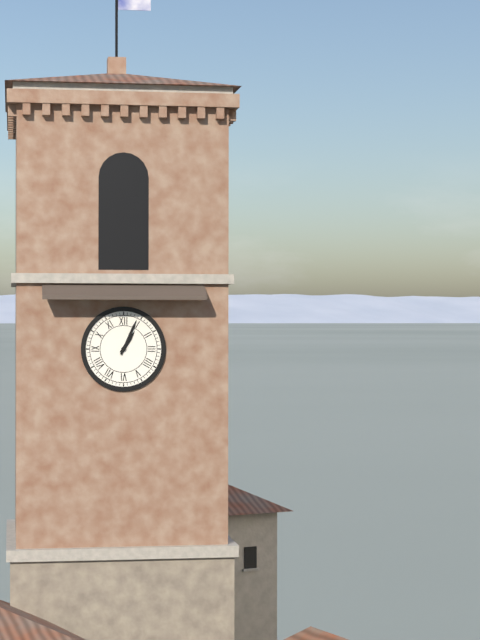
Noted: 1,04
